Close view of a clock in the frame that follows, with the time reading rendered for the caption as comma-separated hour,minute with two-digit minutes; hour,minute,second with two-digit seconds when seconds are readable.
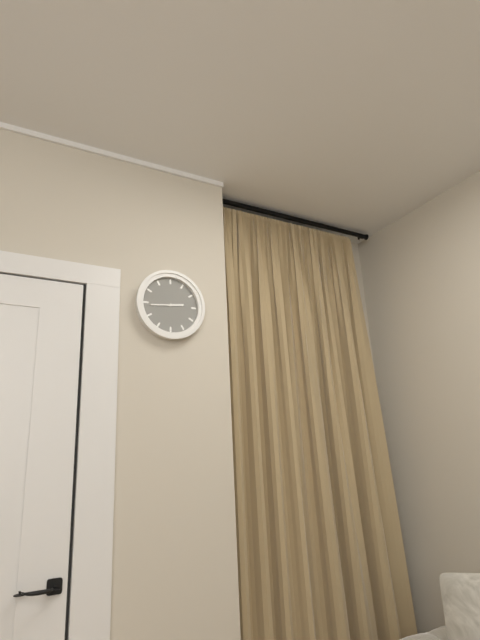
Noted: 2,44
